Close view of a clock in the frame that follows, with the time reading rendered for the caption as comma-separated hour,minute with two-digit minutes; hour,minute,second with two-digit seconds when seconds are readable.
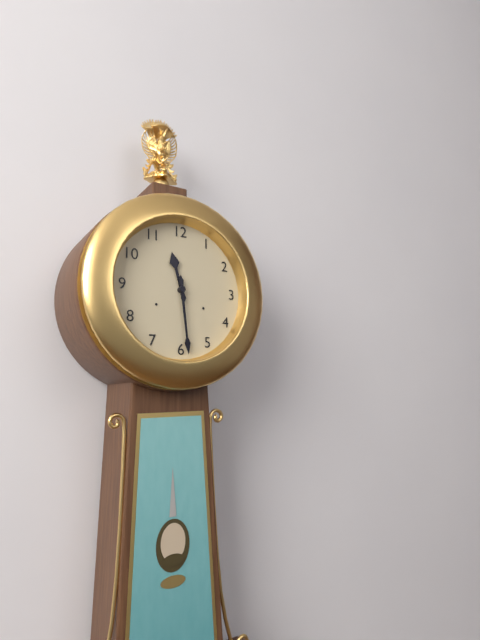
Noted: 11,29
